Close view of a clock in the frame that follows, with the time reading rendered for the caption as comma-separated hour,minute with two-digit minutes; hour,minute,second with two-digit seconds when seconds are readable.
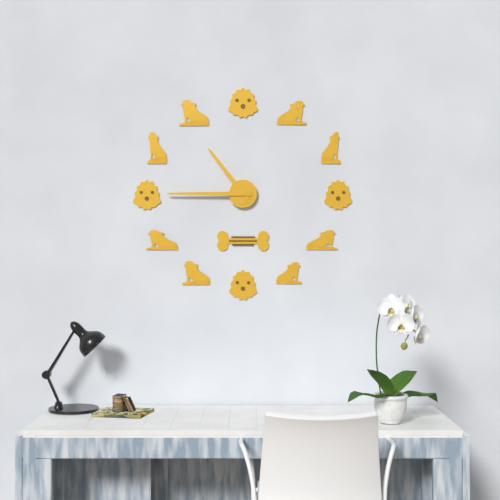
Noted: 10,45
